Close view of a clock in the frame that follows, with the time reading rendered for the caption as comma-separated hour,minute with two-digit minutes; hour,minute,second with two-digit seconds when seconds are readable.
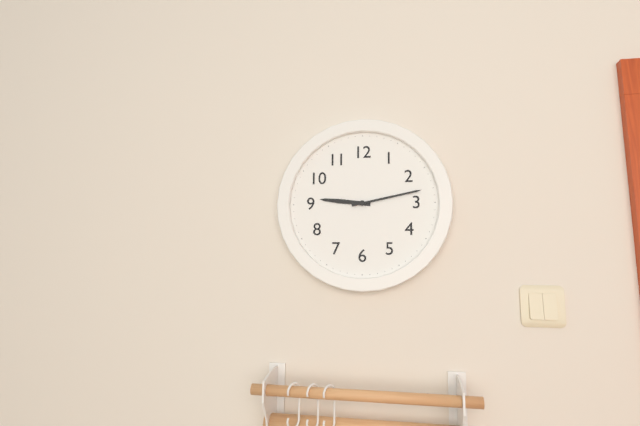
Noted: 9,13
